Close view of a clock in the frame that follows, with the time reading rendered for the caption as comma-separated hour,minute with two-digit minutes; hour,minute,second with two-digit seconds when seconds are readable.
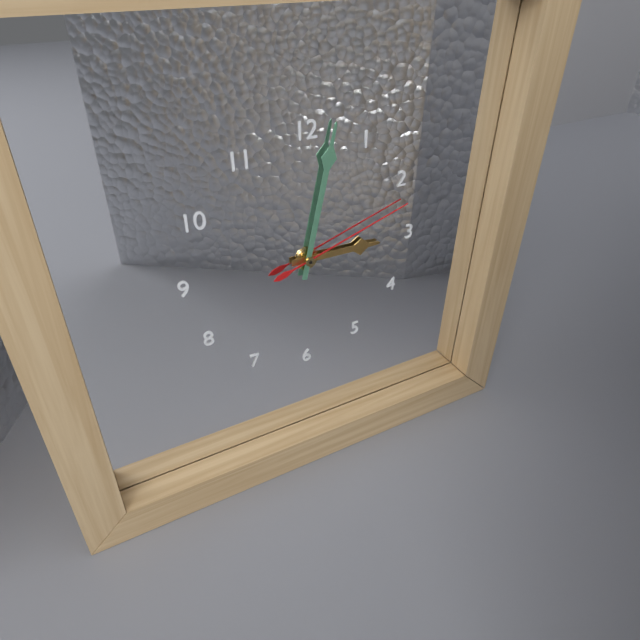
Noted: 3,02,12
